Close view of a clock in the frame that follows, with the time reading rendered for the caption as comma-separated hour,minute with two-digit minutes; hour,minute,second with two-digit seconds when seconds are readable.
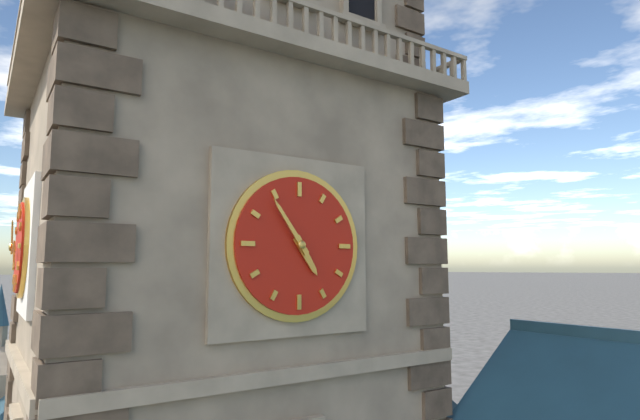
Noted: 4,54
